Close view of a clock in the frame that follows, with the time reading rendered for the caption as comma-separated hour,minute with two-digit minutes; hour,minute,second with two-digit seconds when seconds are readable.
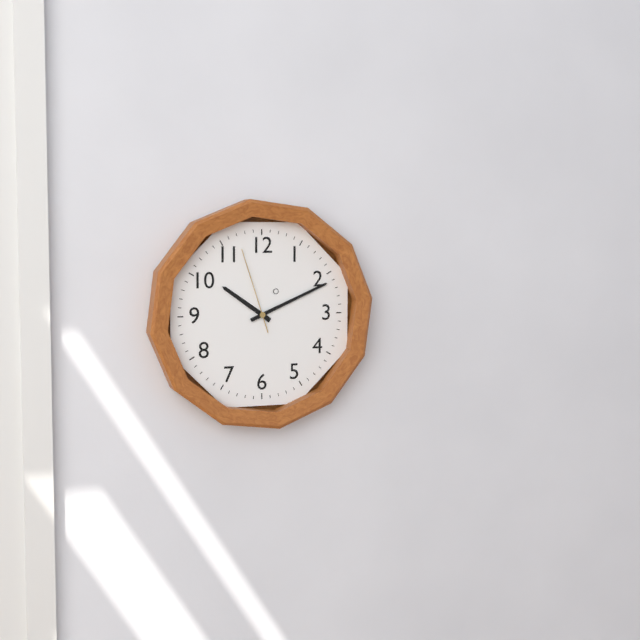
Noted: 10,11,57
